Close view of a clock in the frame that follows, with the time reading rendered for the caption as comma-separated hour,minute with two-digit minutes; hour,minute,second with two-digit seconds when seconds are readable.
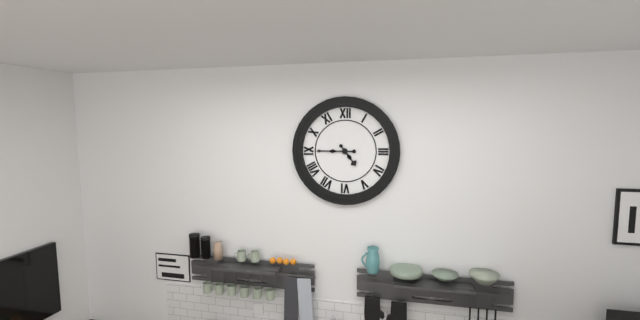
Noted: 4,45
